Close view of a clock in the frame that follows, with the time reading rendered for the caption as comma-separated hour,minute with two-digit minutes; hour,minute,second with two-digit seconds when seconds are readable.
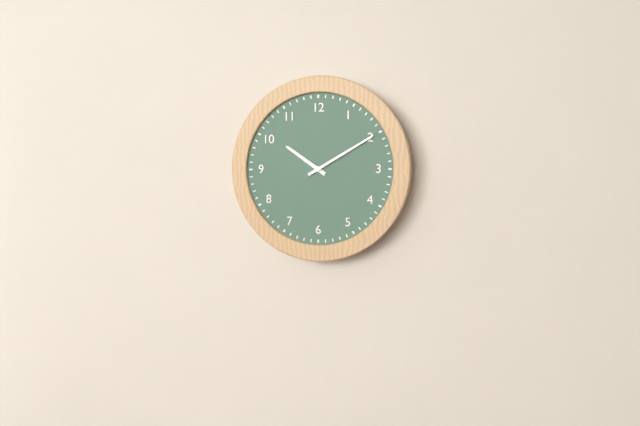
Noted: 10,10
